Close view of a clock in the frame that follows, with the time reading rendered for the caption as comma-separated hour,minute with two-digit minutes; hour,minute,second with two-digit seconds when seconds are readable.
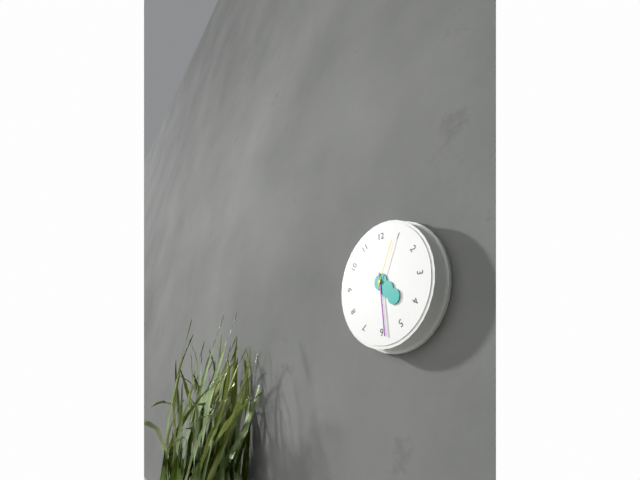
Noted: 4,29,04
